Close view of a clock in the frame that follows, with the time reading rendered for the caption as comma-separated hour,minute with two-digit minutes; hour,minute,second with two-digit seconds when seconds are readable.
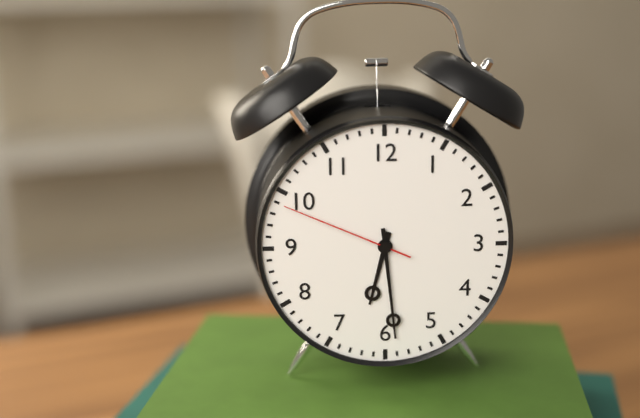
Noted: 6,29,49
